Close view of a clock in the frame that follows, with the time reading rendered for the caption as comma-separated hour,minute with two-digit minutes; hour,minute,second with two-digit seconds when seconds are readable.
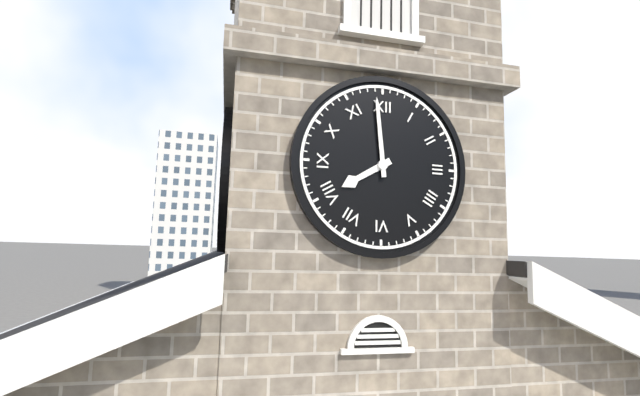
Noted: 7,59
